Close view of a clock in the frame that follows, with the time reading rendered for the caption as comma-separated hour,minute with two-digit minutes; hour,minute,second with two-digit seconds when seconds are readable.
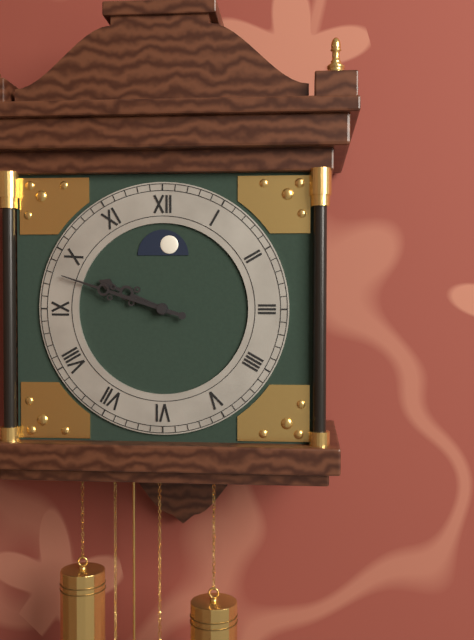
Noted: 9,48
